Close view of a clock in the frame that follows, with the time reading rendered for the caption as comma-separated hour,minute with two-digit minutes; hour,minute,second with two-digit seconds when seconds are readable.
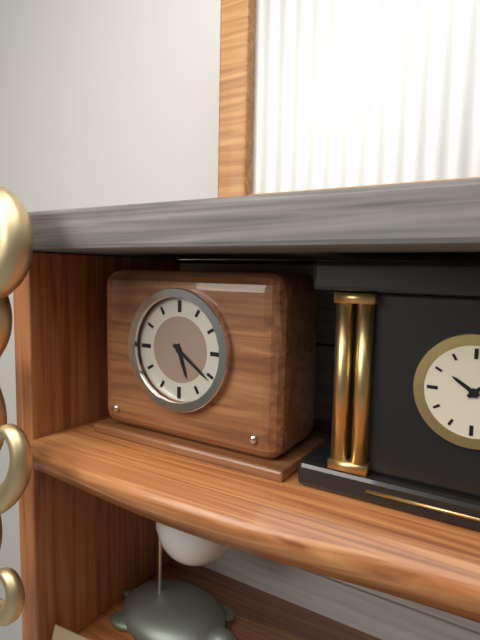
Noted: 5,21
